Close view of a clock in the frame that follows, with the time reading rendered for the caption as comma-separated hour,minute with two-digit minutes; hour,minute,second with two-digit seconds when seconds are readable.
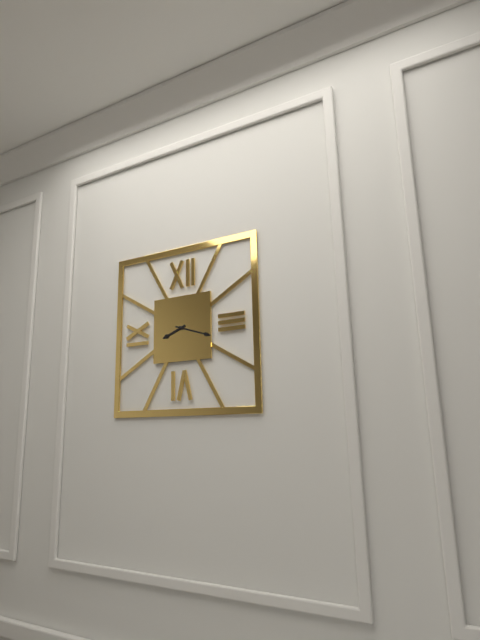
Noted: 8,18
